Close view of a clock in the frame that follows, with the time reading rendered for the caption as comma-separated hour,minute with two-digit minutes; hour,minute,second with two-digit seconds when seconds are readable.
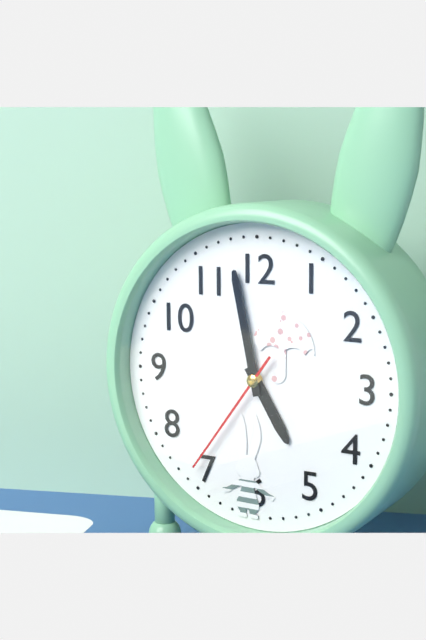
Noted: 4,58,36
